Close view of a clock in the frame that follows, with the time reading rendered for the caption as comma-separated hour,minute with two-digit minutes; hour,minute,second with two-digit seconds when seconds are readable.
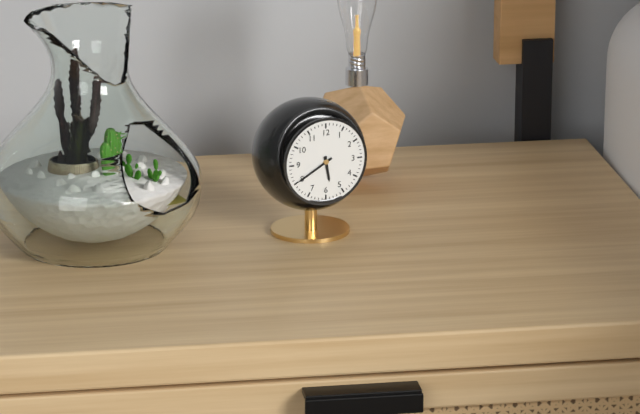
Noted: 5,40
